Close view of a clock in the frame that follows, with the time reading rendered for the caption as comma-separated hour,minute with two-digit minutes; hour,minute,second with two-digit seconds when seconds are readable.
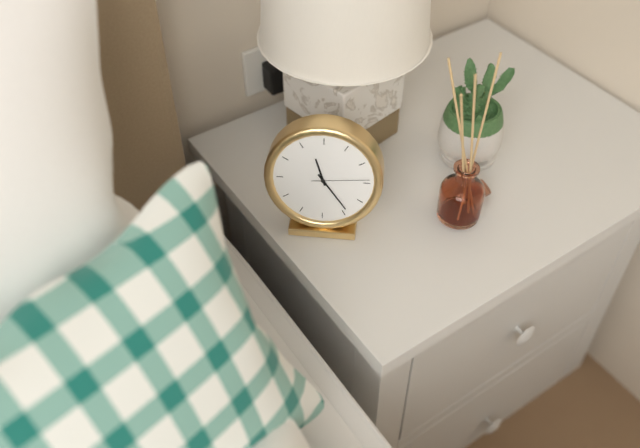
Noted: 11,24,14
